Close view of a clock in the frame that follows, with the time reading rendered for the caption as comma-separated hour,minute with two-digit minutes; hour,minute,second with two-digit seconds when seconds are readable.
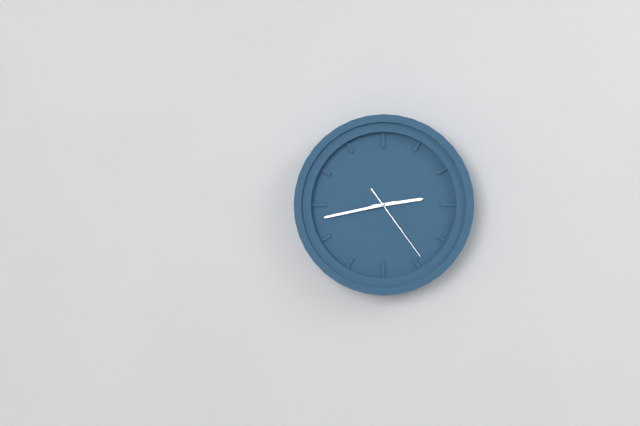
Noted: 2,43,24
